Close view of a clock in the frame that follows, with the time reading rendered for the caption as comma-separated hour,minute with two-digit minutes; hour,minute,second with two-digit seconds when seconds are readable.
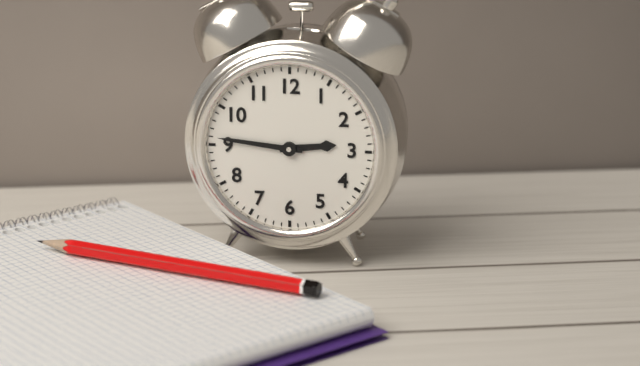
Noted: 2,46
